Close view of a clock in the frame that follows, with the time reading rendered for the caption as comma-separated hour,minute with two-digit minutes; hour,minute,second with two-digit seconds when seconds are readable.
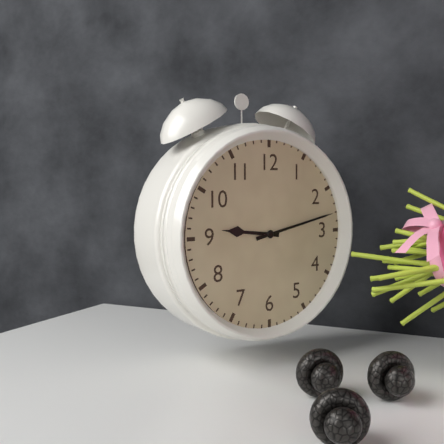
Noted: 9,13
